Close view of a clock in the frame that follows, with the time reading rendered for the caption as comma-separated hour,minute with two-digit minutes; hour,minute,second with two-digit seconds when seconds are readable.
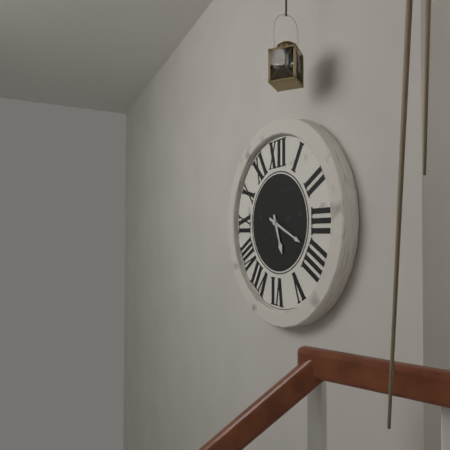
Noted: 5,19
